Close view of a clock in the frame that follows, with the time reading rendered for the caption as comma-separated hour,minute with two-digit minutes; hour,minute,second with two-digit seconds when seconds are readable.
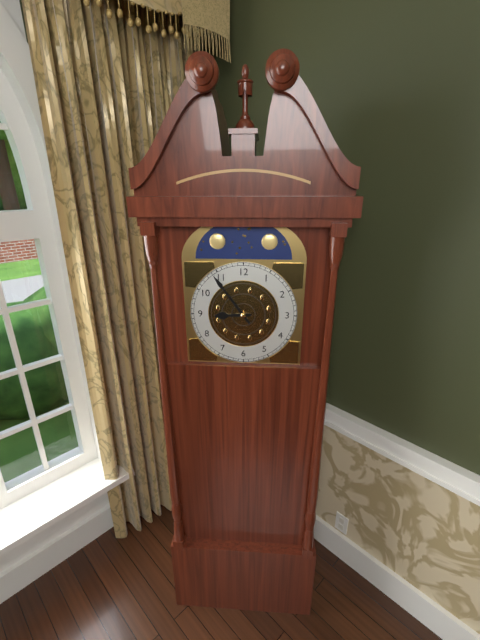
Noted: 8,54
